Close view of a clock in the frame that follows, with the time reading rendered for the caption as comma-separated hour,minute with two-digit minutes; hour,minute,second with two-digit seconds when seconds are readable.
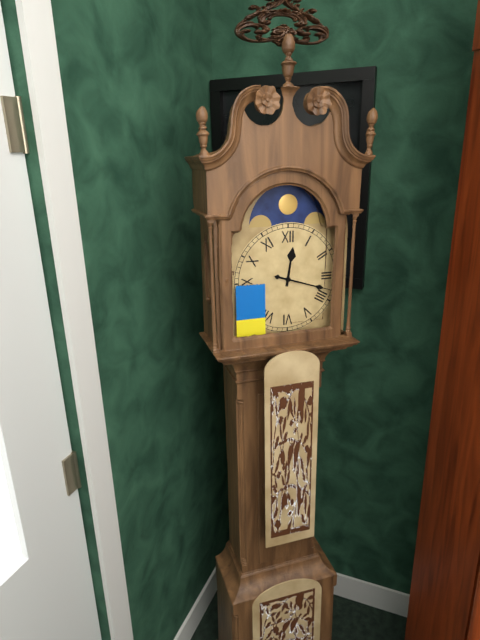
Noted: 12,18
